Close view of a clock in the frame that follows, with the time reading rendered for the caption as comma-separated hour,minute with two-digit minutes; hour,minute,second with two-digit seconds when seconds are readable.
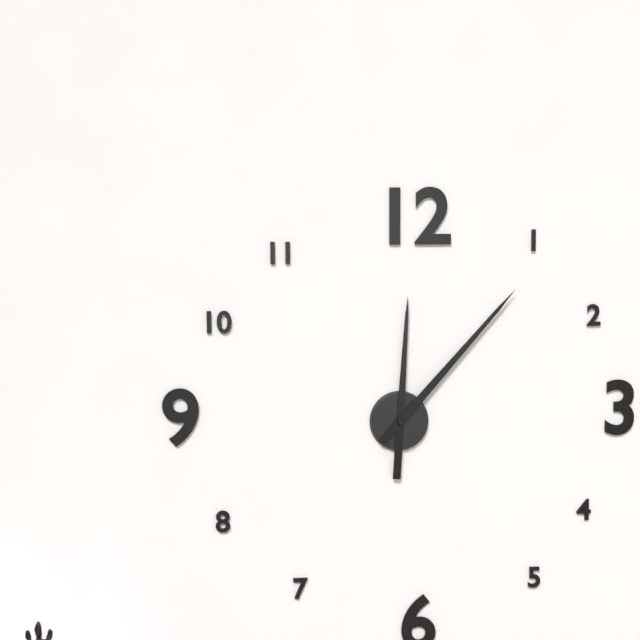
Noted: 12,07
